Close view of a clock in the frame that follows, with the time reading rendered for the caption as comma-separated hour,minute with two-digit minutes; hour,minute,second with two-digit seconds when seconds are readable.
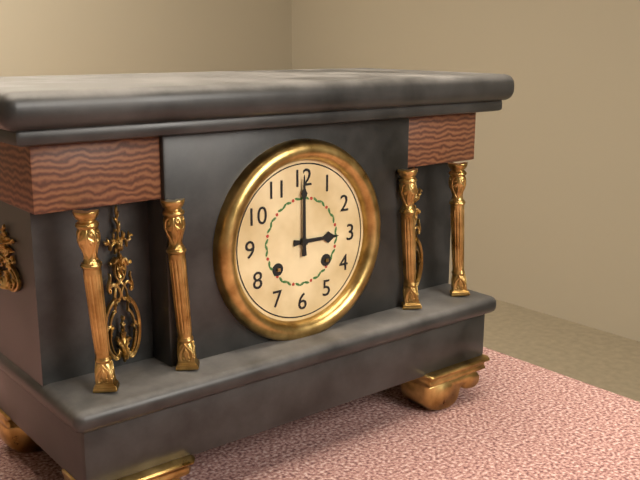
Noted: 3,00
